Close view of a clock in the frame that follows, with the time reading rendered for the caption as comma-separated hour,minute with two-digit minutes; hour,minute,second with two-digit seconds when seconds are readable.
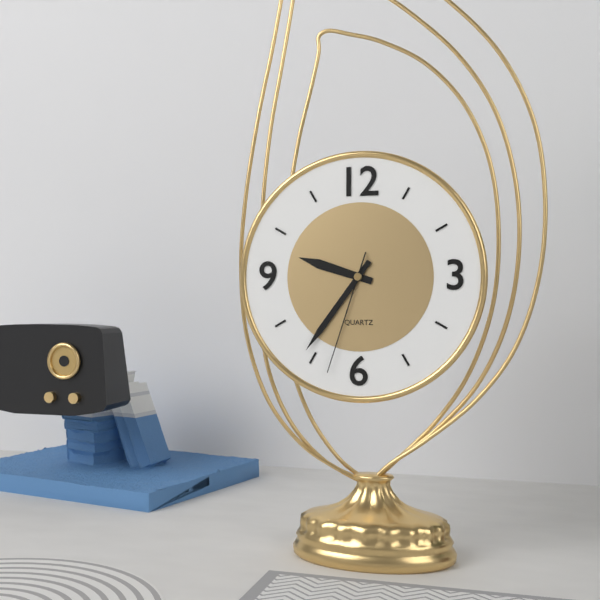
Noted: 9,36,33
